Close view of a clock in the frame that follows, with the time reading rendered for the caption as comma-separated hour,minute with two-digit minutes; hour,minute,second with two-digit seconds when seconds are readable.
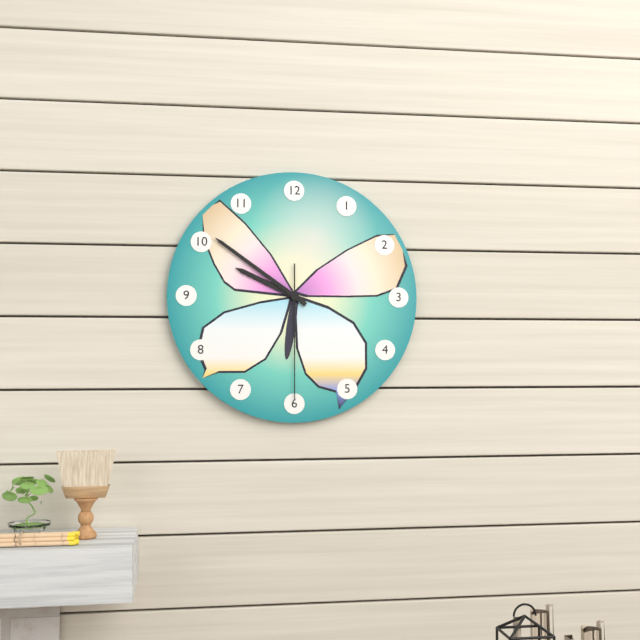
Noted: 9,51,30
